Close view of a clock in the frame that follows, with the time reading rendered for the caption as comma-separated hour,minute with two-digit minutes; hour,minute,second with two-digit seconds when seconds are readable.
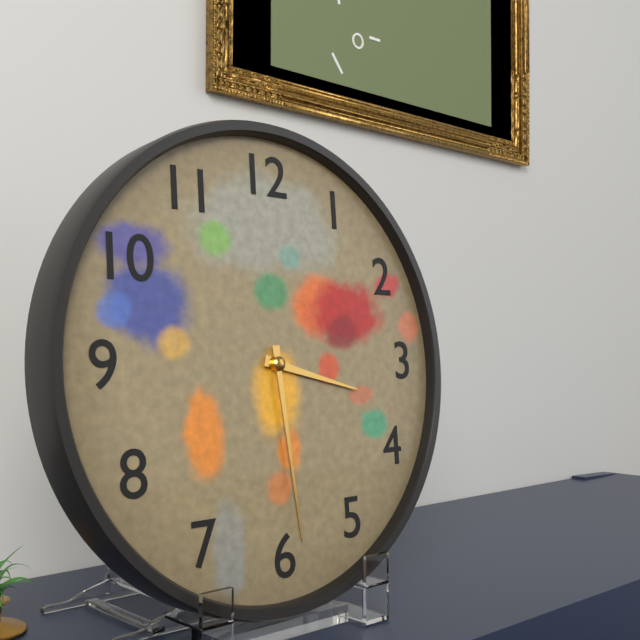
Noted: 3,29
